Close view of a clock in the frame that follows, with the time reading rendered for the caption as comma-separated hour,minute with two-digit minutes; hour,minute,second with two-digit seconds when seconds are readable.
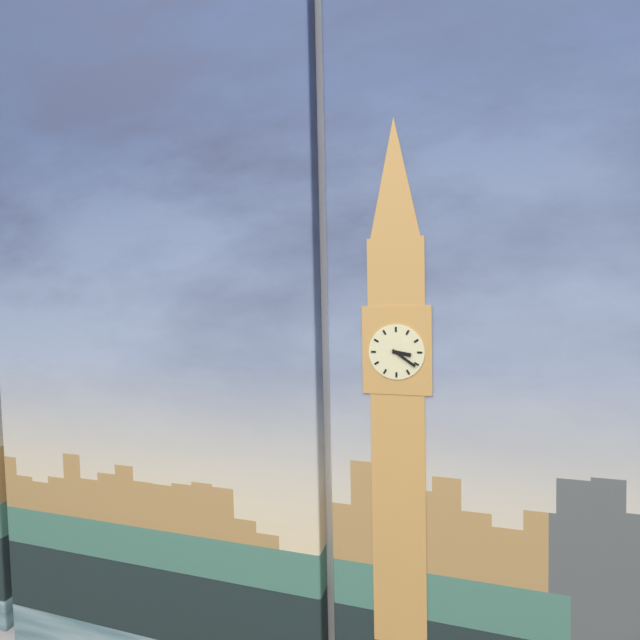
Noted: 3,21
